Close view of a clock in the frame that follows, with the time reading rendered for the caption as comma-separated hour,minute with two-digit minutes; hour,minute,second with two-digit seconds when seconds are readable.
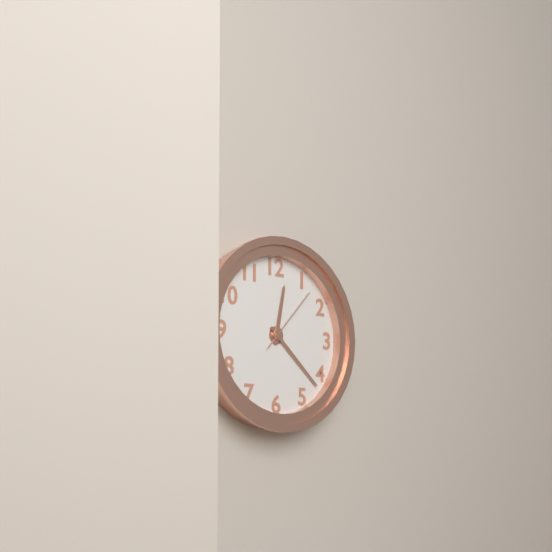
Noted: 12,22,07
